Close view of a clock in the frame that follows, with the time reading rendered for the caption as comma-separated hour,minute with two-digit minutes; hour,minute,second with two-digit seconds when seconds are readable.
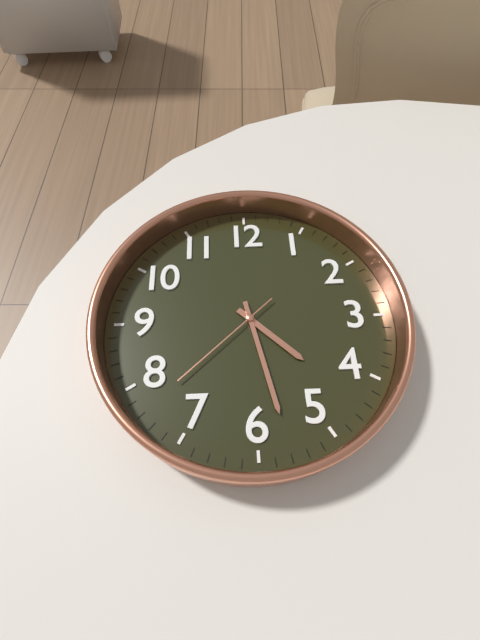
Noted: 4,28,38
